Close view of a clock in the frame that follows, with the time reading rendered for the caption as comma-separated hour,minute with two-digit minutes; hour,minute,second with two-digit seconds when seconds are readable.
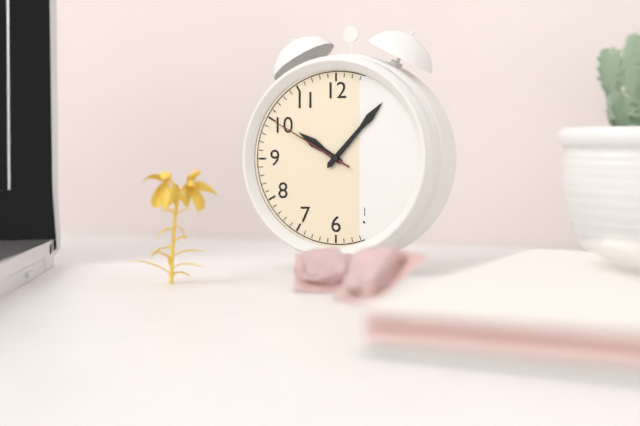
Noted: 10,07,50
